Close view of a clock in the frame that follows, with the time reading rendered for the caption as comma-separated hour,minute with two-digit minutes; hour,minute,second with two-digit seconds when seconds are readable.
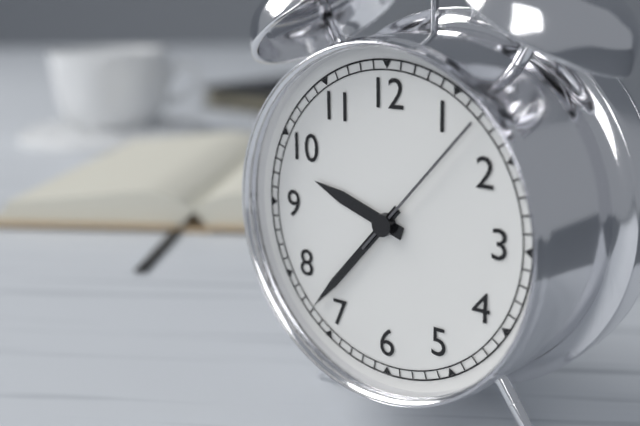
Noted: 9,37,07
